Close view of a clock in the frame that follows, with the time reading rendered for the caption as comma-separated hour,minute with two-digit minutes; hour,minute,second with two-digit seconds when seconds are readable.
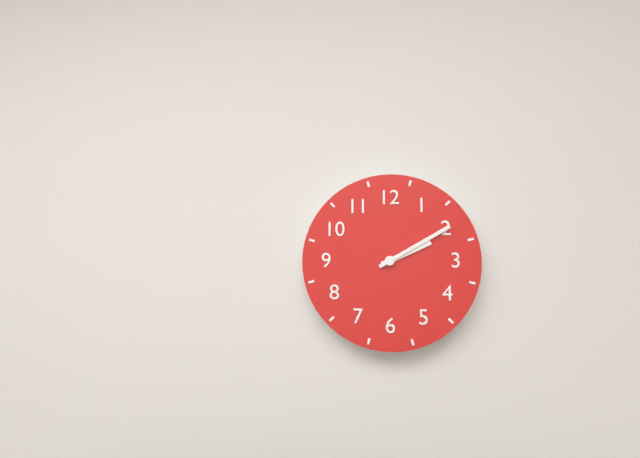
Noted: 2,10
